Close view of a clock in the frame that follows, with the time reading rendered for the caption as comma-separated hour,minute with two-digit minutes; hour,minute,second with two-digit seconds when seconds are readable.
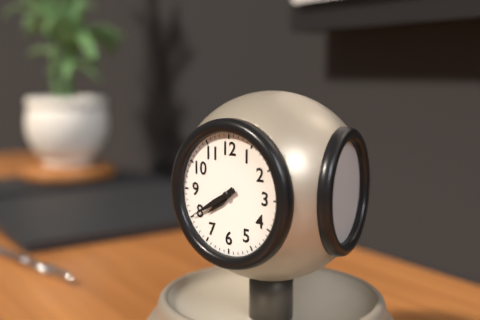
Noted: 7,40
